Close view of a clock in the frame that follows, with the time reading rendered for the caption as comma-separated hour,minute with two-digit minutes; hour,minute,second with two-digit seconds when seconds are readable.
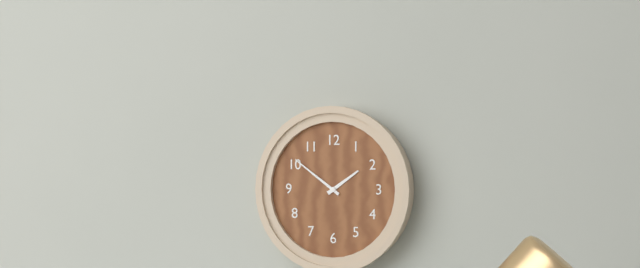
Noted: 1,51
